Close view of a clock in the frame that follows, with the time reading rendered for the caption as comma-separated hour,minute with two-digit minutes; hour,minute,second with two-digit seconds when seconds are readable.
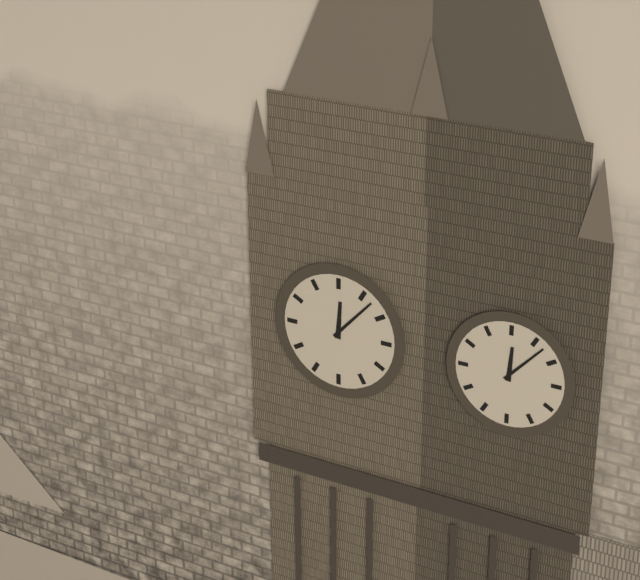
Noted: 12,07
